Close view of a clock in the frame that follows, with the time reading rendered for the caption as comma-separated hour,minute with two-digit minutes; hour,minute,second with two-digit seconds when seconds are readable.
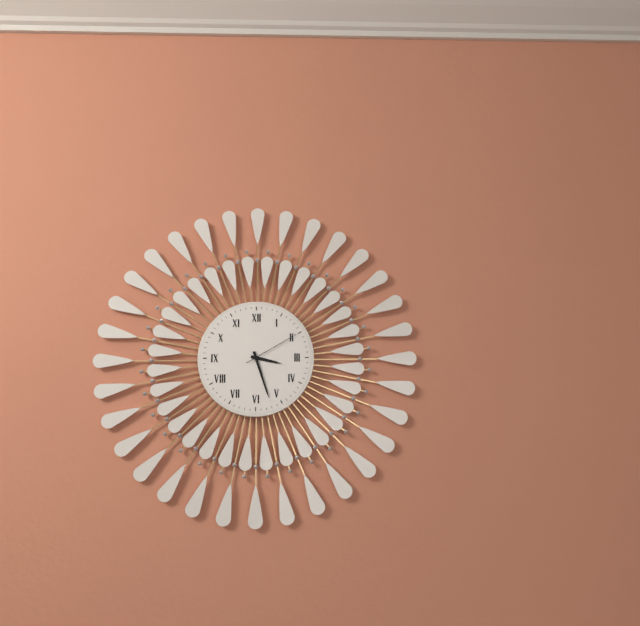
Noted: 3,27,10
